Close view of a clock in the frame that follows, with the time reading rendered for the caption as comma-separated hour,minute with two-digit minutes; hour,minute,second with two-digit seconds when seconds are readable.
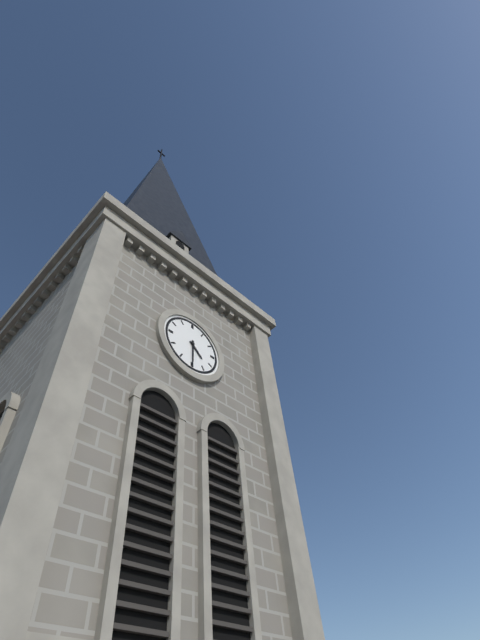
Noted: 4,30
